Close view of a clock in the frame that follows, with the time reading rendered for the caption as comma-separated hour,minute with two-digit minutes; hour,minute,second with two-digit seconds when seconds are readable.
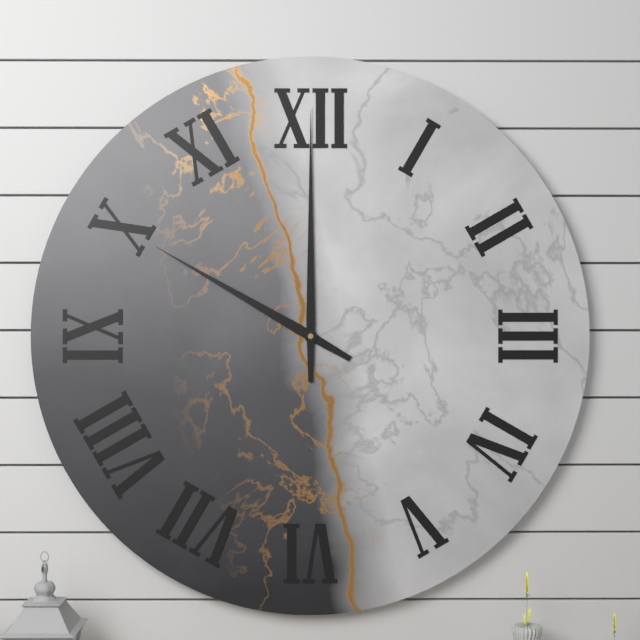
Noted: 10,00
